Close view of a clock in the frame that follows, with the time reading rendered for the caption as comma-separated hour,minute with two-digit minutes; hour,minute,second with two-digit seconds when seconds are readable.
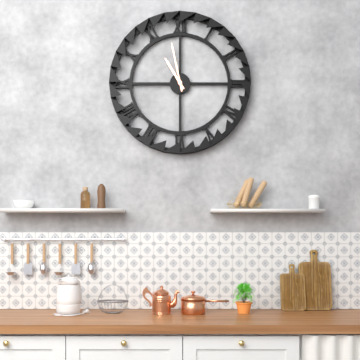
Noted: 10,58
